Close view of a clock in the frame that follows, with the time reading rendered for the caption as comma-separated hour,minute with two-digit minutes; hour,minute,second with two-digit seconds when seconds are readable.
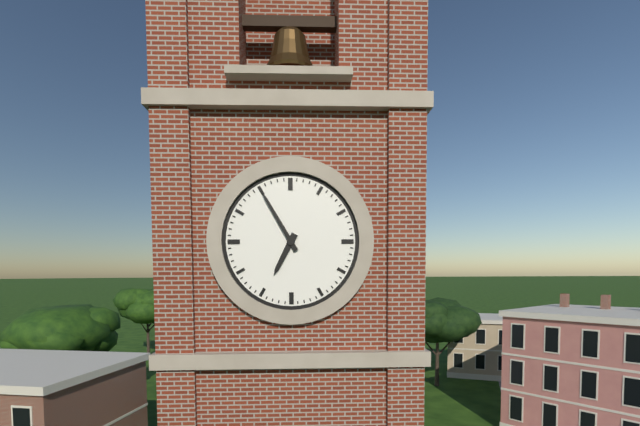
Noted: 6,55
